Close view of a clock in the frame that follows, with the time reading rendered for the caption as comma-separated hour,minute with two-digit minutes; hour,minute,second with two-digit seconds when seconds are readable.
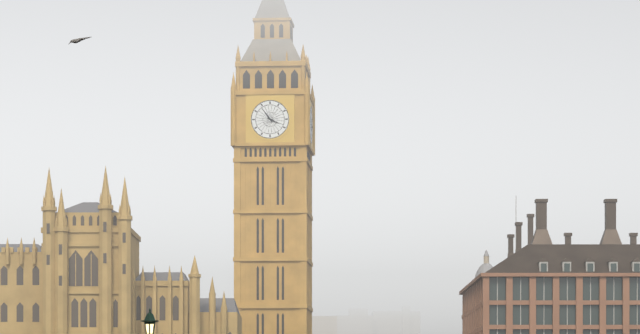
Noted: 3,54
